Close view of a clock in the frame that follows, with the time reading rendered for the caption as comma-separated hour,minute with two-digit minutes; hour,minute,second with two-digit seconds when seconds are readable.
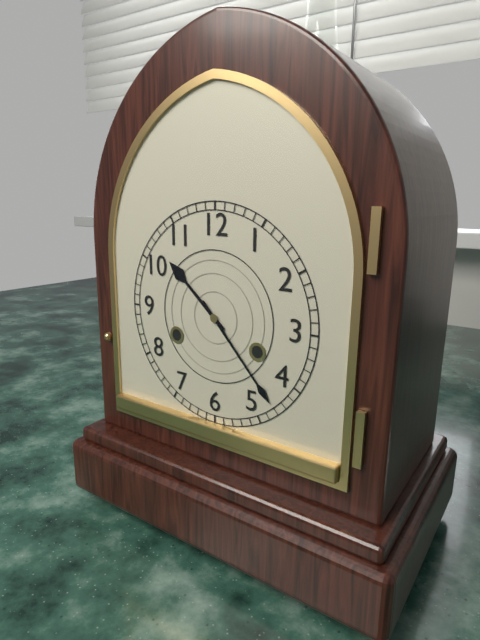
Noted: 10,23
